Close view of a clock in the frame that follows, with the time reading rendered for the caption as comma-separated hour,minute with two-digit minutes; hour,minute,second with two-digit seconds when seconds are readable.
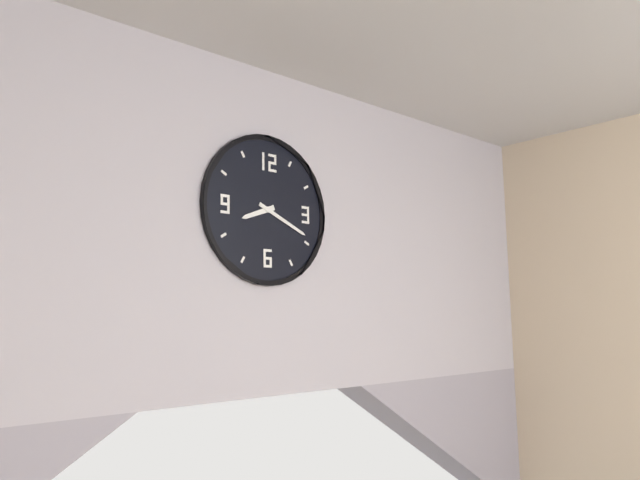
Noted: 8,19
